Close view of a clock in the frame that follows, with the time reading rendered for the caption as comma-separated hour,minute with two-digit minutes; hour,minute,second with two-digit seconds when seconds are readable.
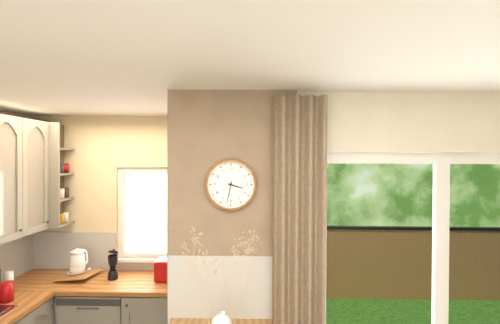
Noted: 3,32
